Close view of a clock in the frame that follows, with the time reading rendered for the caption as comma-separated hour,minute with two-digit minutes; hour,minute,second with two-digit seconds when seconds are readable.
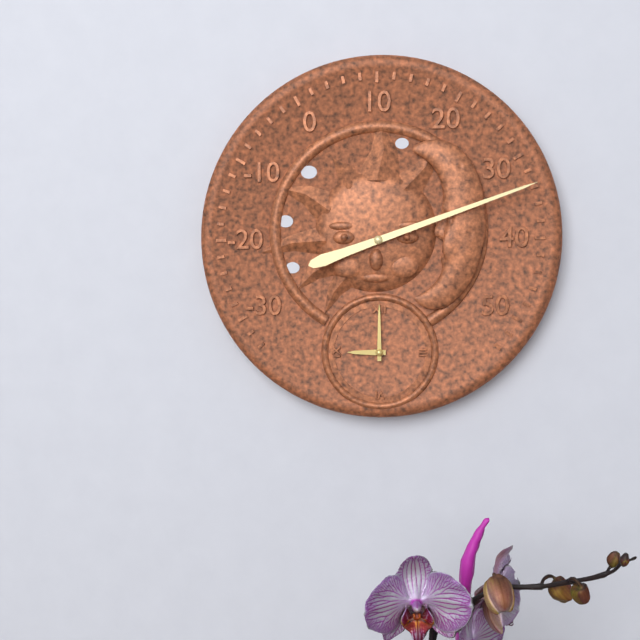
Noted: 9,00
